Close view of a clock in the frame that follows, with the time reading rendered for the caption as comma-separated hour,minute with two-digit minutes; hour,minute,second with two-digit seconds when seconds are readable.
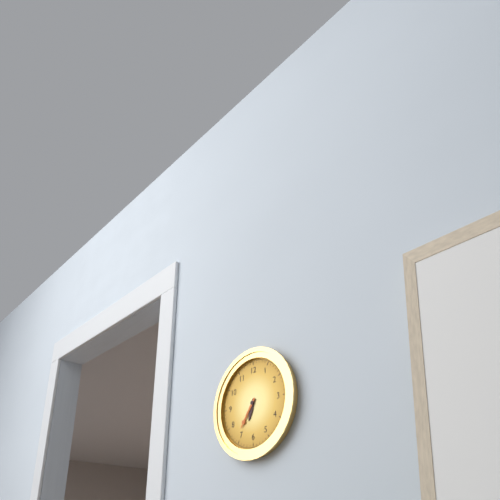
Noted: 6,36
